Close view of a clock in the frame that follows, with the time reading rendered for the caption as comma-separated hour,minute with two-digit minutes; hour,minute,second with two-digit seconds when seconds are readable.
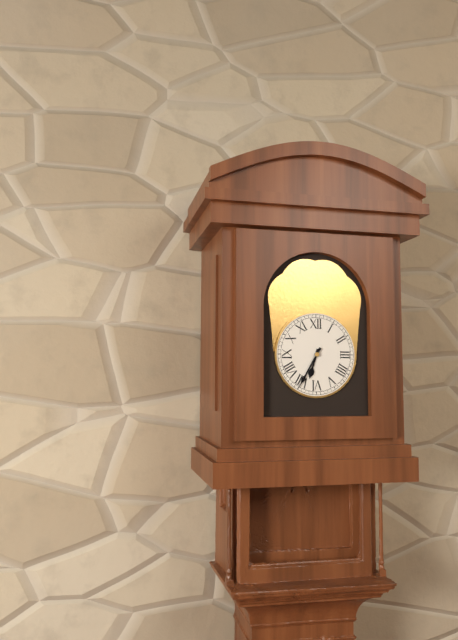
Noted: 6,35
